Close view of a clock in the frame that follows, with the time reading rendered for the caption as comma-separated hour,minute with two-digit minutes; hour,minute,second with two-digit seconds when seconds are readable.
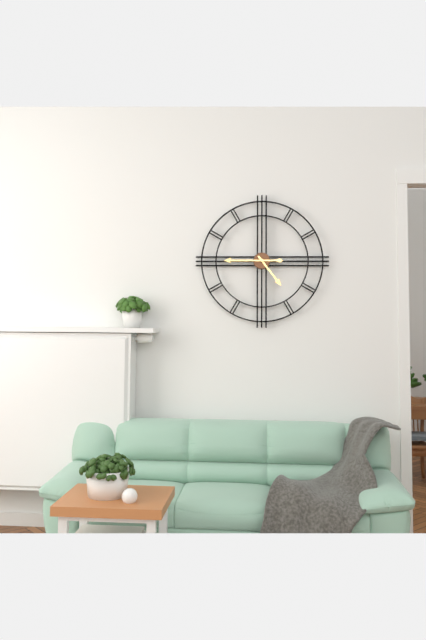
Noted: 4,45
